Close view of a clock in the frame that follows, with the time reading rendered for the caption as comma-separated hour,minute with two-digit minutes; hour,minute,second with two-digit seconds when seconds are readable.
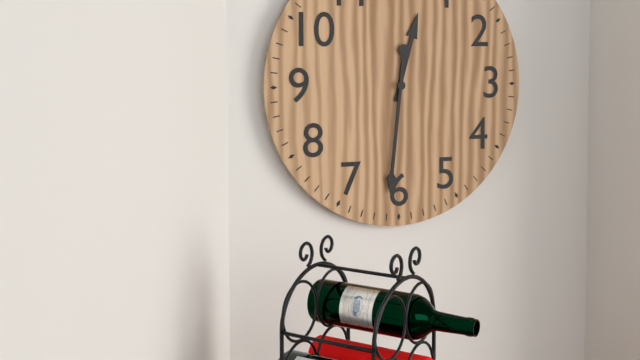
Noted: 12,31
